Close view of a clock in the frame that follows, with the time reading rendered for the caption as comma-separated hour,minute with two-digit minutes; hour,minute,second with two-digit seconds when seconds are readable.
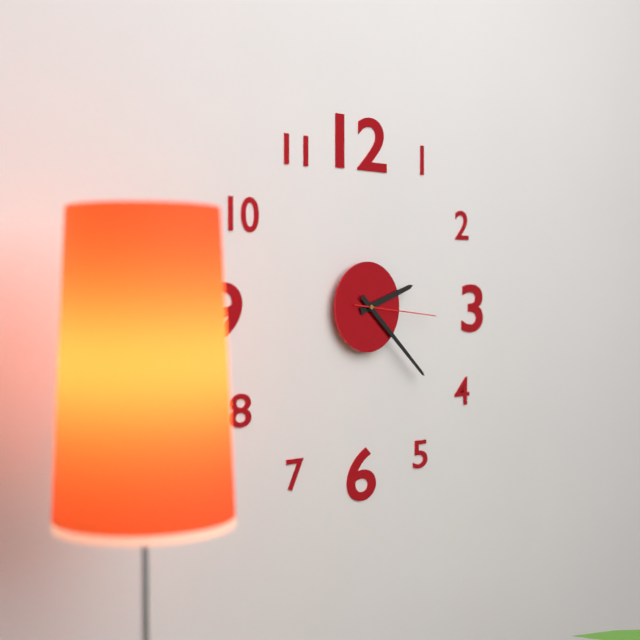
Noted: 2,22,16
